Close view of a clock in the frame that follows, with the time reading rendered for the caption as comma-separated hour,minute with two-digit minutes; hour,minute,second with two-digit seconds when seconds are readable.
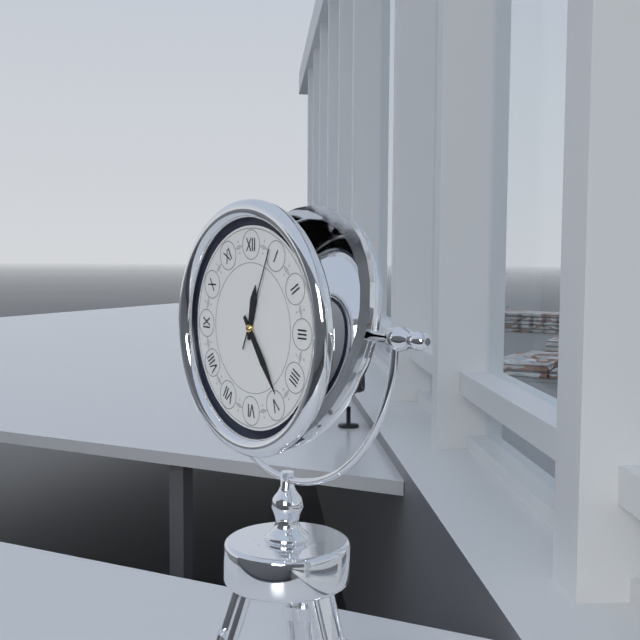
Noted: 12,24,04
